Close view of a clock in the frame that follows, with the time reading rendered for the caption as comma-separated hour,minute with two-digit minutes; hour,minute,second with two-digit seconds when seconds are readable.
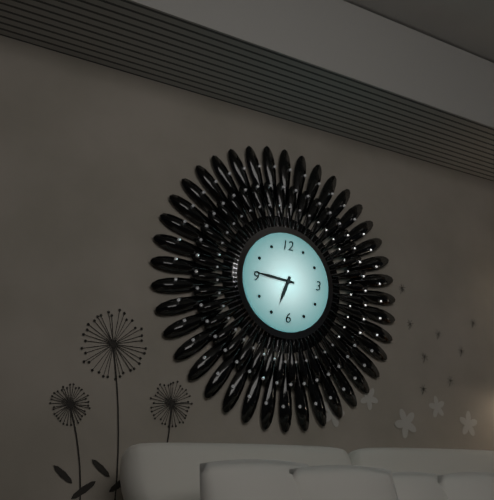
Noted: 6,46
